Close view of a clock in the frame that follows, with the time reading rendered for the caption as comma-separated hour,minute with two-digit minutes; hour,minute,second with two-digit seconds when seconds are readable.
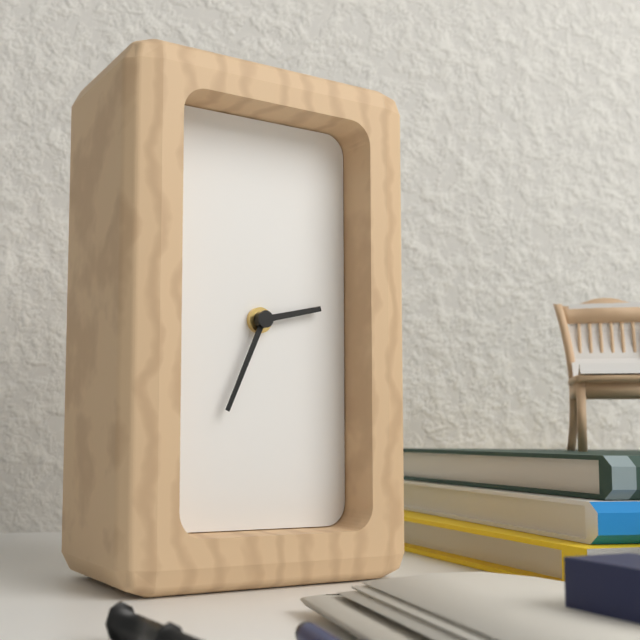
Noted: 2,34
